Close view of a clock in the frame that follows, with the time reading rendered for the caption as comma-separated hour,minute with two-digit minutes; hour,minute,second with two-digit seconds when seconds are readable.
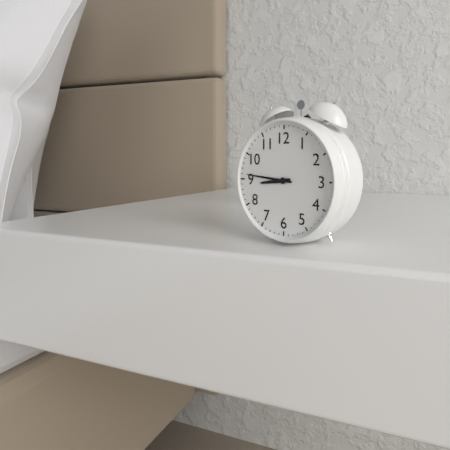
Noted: 8,46
